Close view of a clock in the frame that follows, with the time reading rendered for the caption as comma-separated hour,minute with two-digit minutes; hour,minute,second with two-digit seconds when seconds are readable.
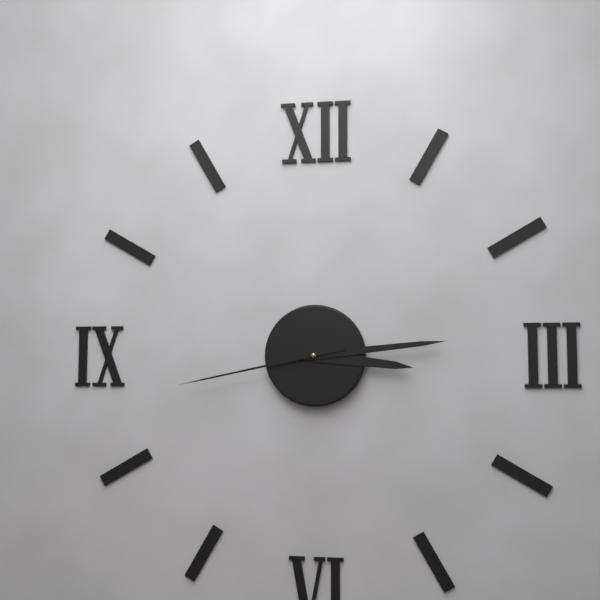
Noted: 3,14,43
